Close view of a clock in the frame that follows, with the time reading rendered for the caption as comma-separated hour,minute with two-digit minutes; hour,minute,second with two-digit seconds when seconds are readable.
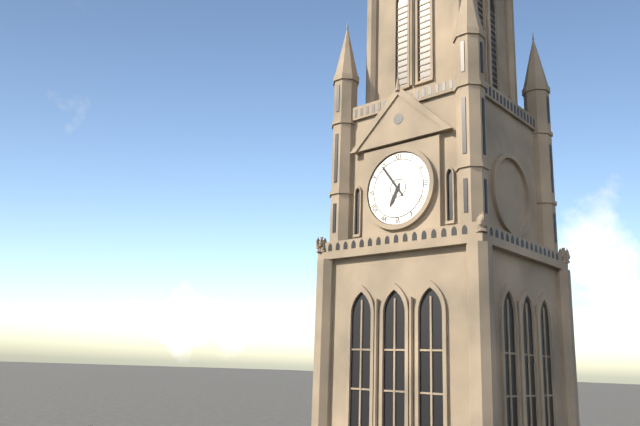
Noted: 6,54
